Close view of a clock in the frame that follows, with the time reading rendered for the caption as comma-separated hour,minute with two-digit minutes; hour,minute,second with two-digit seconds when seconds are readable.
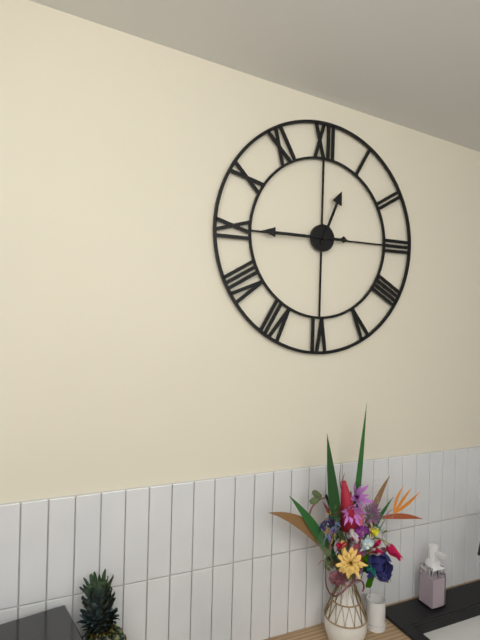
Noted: 12,45
